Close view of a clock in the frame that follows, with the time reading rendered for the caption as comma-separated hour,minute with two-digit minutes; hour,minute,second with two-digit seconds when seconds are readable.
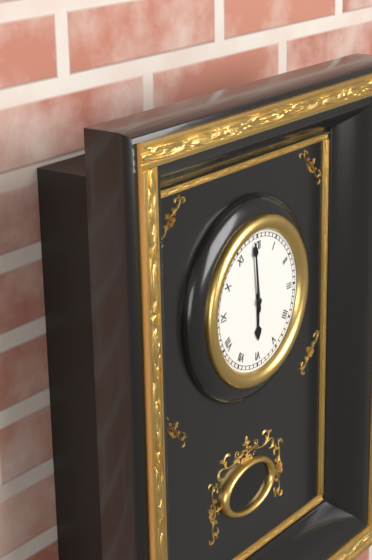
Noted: 5,59
